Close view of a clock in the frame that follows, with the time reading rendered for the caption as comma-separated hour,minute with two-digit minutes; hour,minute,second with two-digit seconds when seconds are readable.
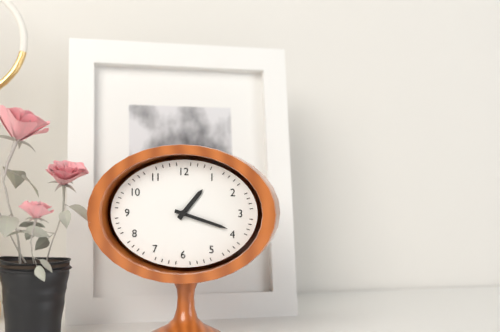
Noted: 1,18
